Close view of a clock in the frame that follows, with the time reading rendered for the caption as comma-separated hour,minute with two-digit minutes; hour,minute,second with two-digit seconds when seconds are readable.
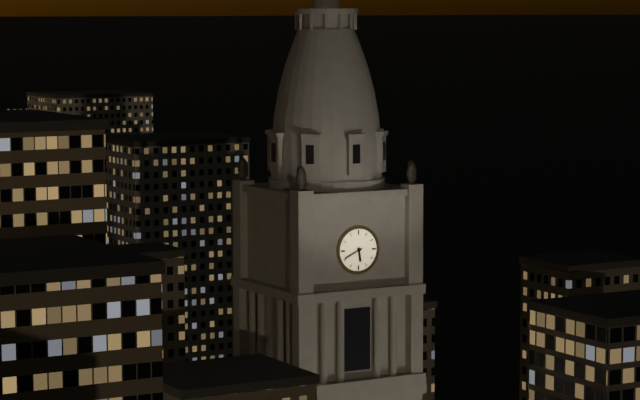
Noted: 5,41
